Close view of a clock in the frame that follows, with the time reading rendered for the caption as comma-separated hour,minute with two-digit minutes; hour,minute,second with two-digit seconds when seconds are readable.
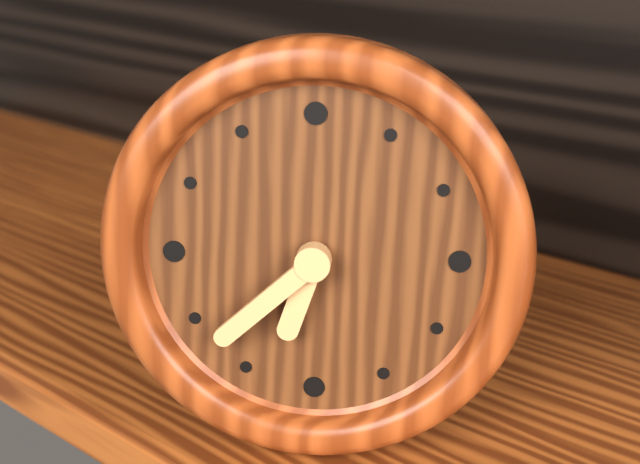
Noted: 6,38
